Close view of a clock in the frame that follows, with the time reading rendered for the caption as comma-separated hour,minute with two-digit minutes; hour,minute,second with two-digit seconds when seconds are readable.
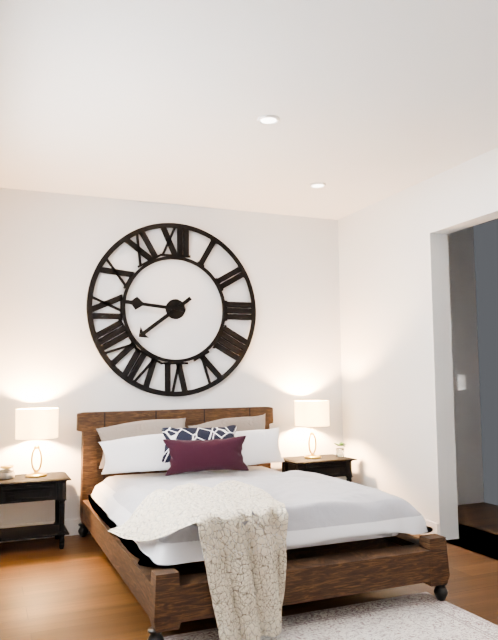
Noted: 7,46
